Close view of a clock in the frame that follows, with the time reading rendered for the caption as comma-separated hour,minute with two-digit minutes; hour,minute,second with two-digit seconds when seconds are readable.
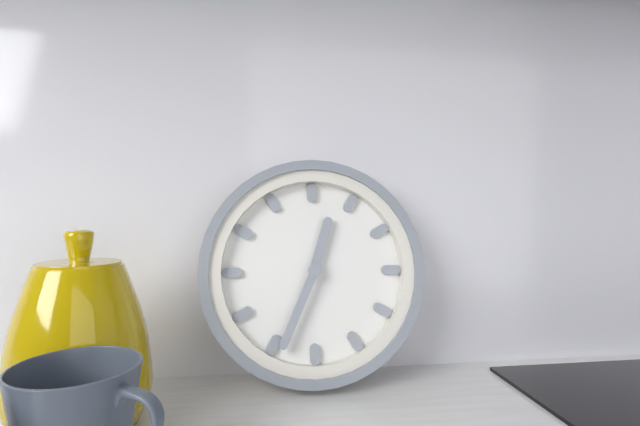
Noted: 12,34
